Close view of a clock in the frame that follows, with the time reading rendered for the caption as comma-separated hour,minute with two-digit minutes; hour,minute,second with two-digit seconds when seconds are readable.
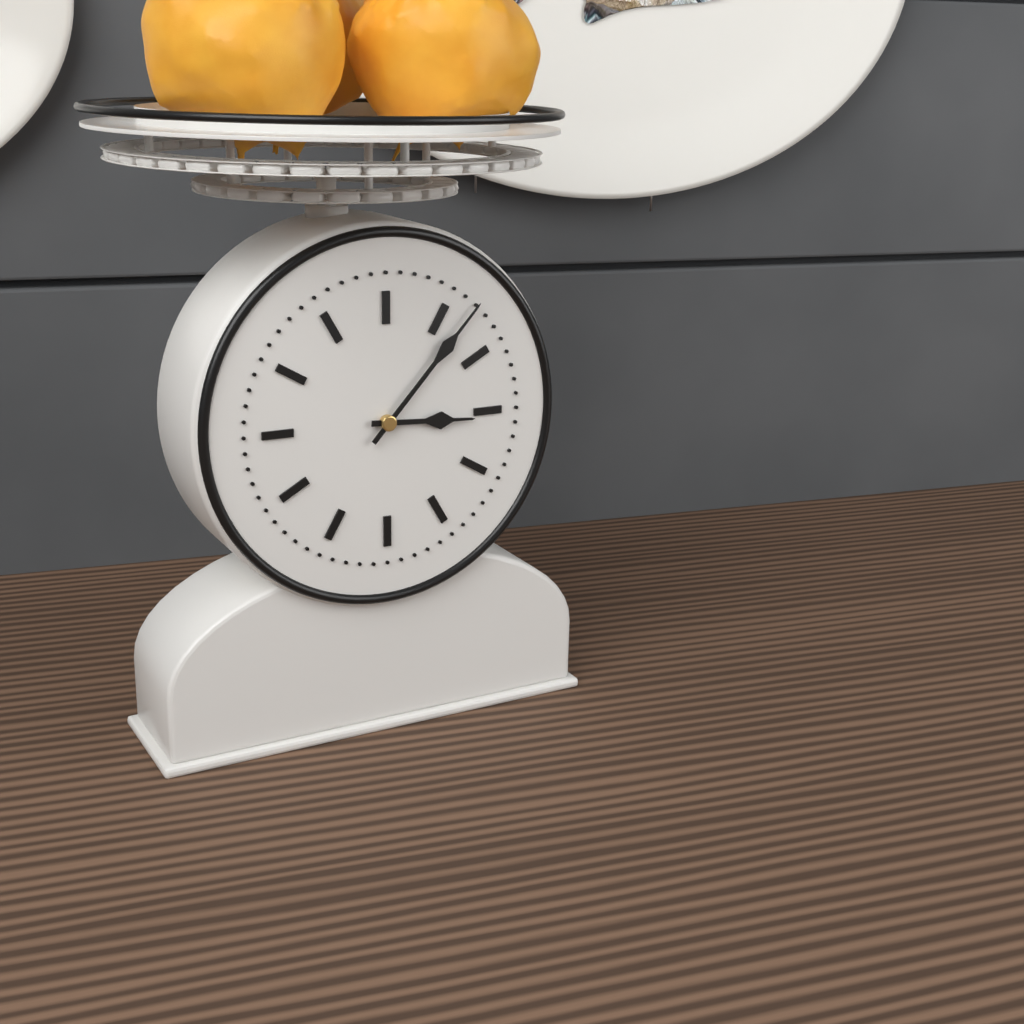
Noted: 3,07
